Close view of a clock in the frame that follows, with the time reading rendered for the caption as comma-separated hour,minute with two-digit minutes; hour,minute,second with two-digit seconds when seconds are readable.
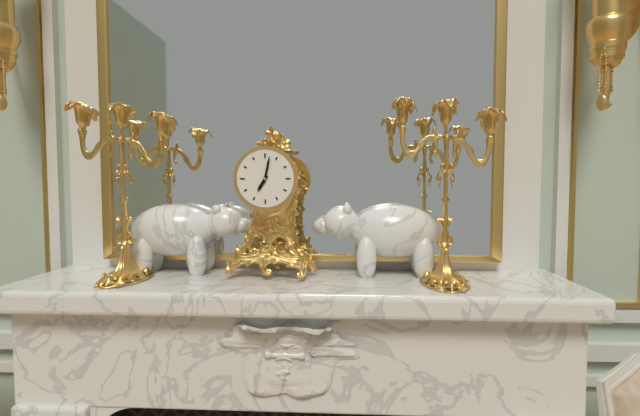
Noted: 7,02
